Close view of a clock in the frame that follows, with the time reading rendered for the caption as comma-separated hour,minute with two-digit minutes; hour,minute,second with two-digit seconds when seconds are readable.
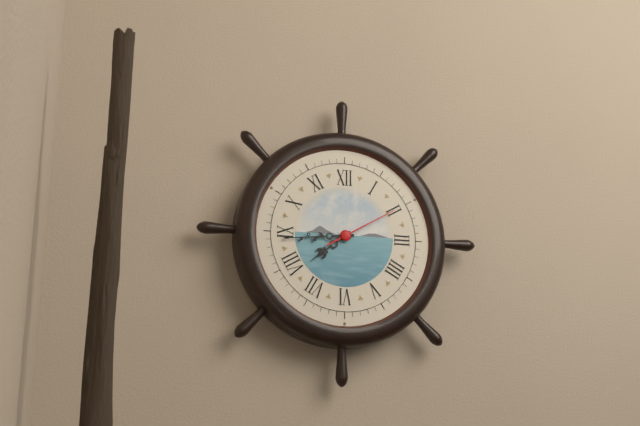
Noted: 7,44,10
